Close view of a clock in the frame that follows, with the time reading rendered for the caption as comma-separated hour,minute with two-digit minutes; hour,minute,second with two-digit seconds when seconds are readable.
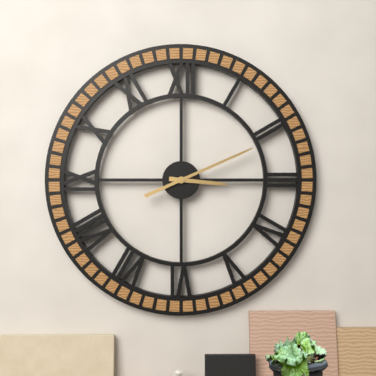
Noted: 3,11
